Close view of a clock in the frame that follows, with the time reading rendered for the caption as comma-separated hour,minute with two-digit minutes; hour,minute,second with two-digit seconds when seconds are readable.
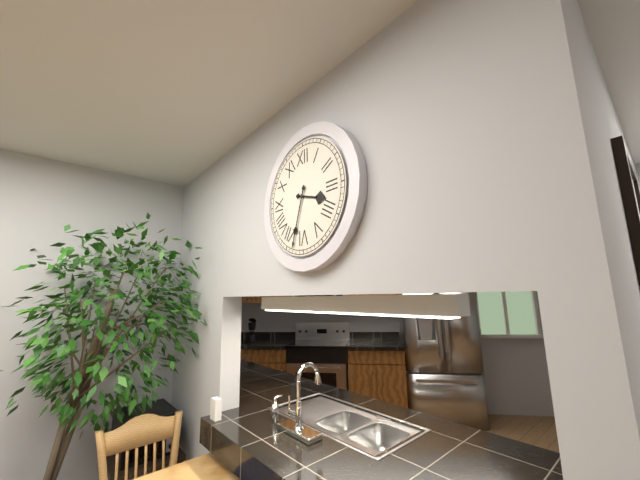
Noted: 3,33
